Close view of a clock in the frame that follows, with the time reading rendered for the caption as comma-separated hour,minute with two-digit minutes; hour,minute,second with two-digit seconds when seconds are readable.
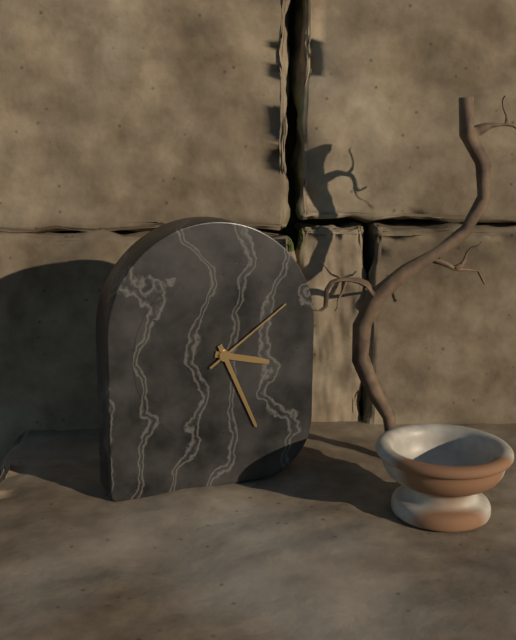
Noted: 3,26,09
